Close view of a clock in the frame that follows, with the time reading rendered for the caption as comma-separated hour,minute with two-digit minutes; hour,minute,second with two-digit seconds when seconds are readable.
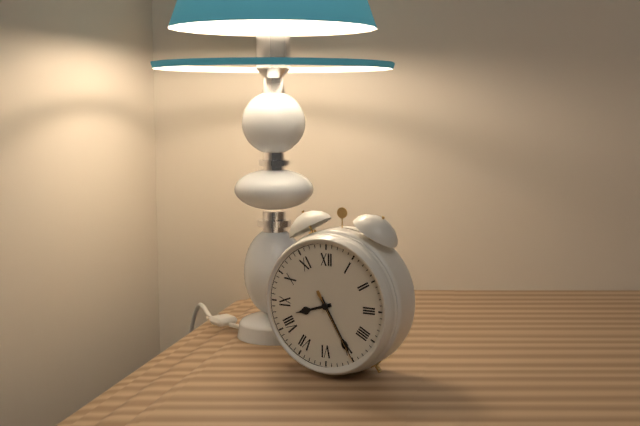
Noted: 8,25,25
